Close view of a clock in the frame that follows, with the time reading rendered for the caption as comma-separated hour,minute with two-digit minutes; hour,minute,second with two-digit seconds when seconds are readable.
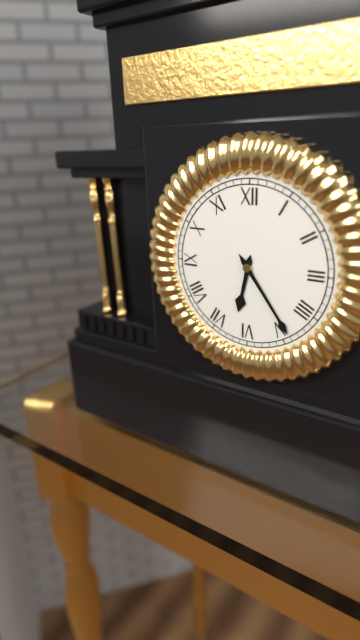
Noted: 6,24
